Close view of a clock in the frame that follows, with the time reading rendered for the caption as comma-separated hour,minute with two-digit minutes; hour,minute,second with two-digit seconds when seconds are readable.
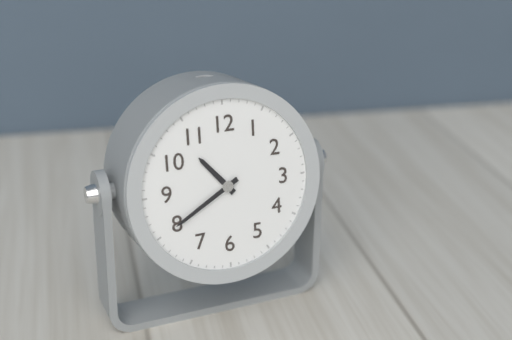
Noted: 10,40
